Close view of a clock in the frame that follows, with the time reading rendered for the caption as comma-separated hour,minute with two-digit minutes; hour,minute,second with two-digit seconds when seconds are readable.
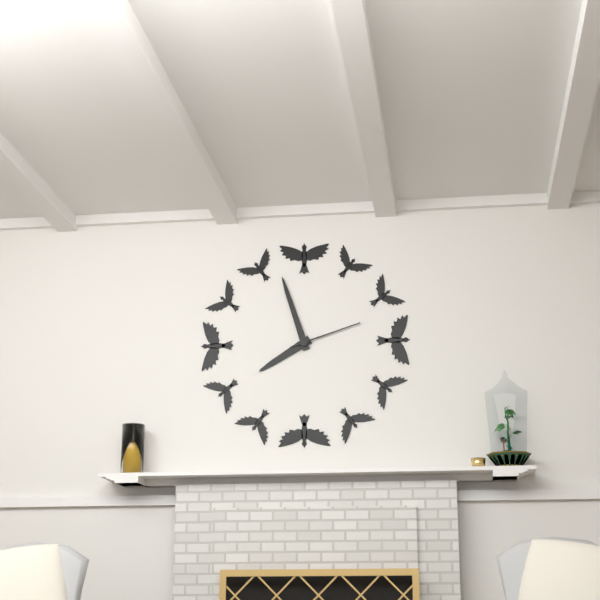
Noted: 7,57,12
